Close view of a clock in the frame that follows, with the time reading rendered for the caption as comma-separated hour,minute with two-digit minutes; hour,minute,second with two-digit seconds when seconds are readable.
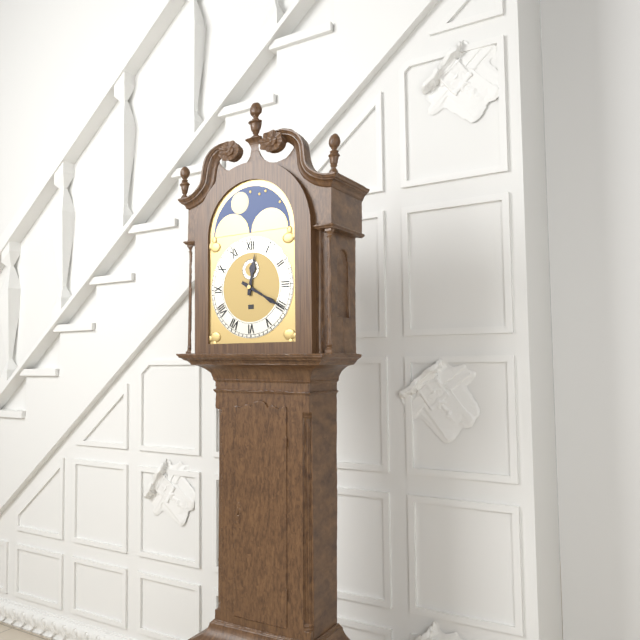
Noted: 12,20
